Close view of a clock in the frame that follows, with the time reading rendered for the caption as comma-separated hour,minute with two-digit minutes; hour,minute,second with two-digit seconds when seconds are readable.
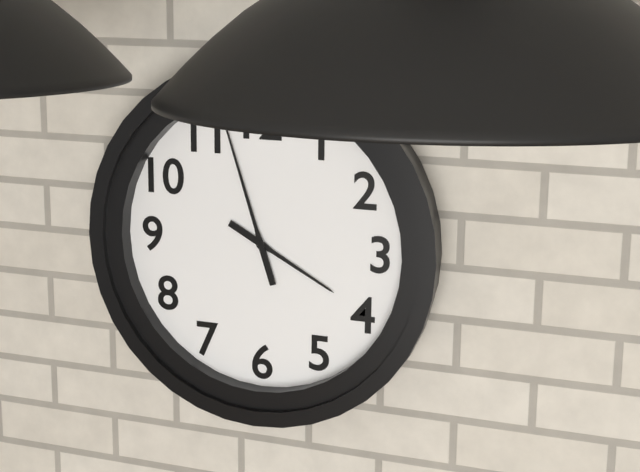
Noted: 3,57
